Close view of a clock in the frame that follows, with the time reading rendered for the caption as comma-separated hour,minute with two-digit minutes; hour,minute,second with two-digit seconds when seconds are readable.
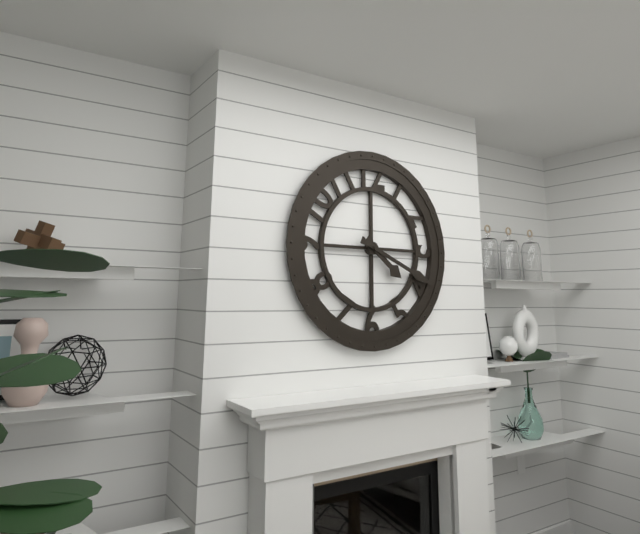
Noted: 4,19
